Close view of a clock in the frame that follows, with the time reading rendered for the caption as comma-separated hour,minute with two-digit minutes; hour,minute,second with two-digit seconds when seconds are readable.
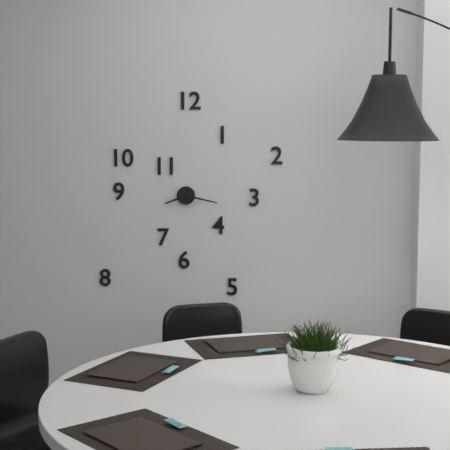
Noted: 8,17
